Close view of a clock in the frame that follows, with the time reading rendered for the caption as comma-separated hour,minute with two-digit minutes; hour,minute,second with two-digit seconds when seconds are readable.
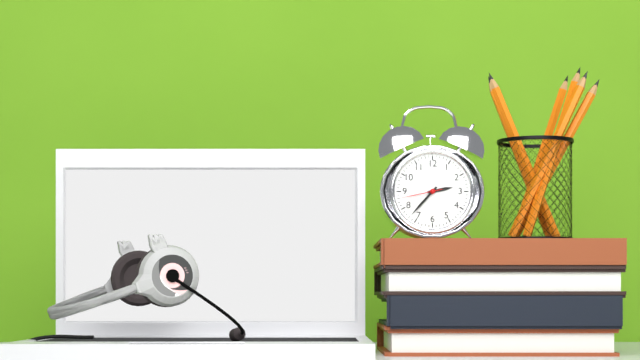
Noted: 2,37
